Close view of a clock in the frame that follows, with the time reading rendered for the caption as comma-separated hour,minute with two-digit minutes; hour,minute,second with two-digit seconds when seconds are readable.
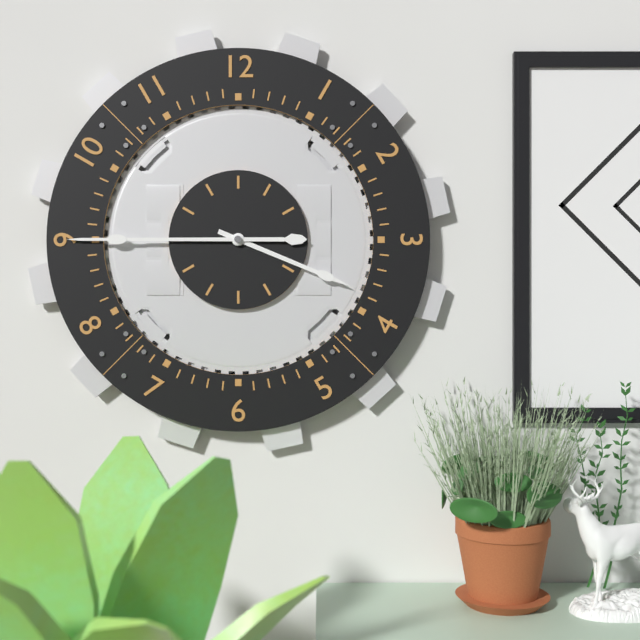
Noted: 3,45
